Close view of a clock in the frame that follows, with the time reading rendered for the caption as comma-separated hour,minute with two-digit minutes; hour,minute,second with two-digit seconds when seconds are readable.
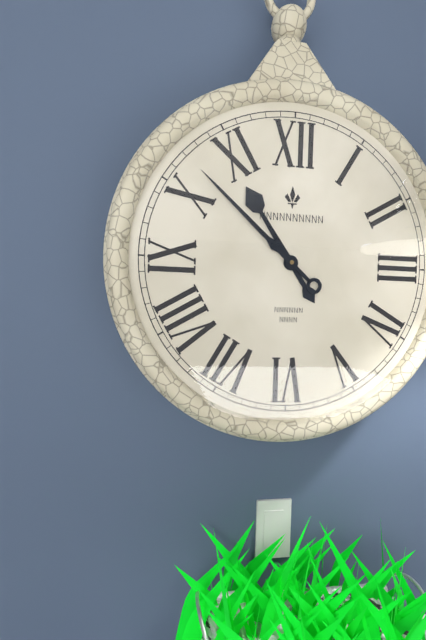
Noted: 10,52
